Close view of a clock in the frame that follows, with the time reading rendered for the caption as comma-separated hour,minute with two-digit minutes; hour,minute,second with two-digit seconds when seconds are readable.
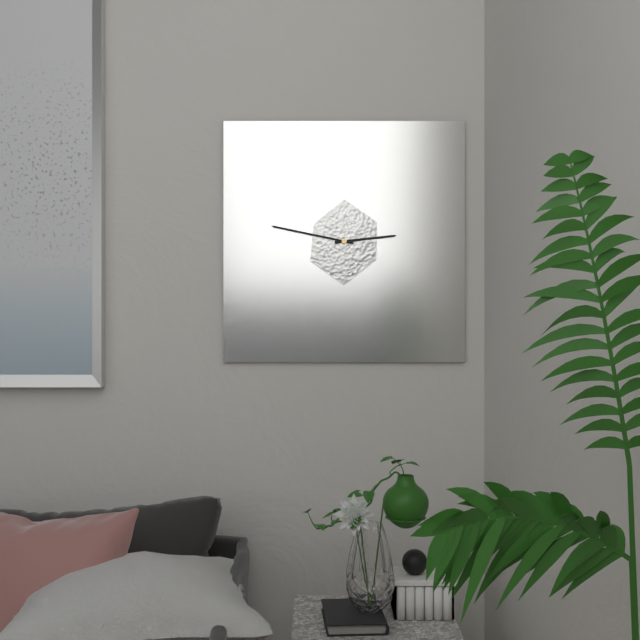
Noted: 2,47
